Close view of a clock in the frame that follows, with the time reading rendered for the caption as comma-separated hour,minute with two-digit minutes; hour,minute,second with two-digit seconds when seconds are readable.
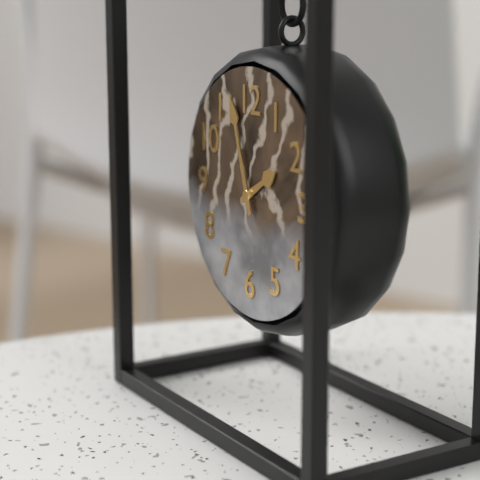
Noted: 1,57
